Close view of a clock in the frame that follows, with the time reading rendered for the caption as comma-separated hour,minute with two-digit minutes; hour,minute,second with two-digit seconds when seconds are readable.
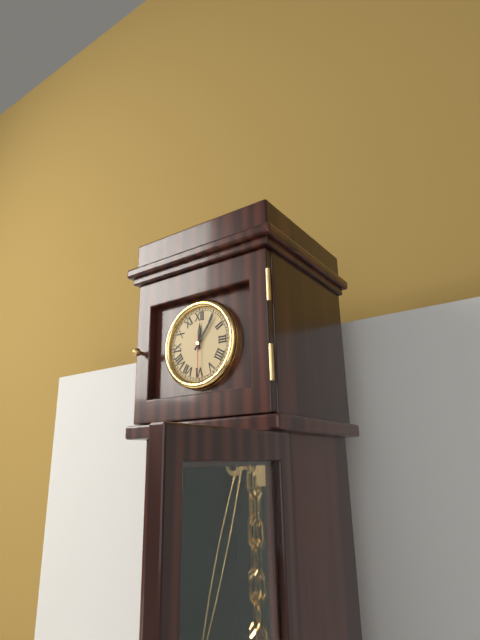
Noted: 12,06
